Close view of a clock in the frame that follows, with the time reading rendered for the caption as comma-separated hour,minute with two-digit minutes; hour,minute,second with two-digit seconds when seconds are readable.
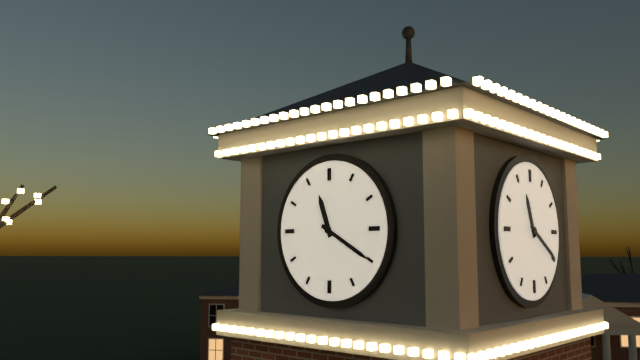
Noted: 11,20
